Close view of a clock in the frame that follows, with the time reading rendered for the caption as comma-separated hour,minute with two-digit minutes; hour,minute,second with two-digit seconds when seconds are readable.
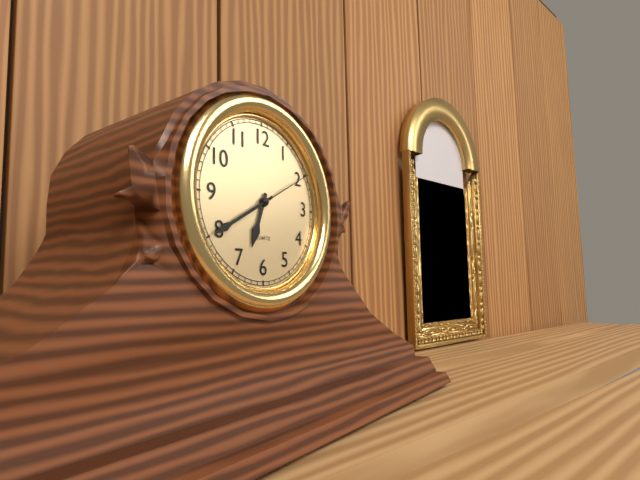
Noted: 6,40,10
